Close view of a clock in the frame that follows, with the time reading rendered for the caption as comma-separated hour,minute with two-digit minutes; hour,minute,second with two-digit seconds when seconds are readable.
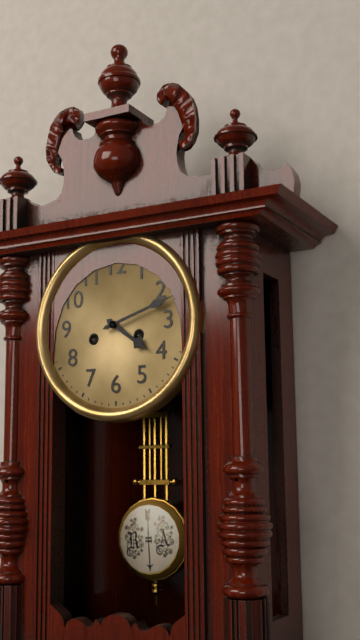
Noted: 4,12
